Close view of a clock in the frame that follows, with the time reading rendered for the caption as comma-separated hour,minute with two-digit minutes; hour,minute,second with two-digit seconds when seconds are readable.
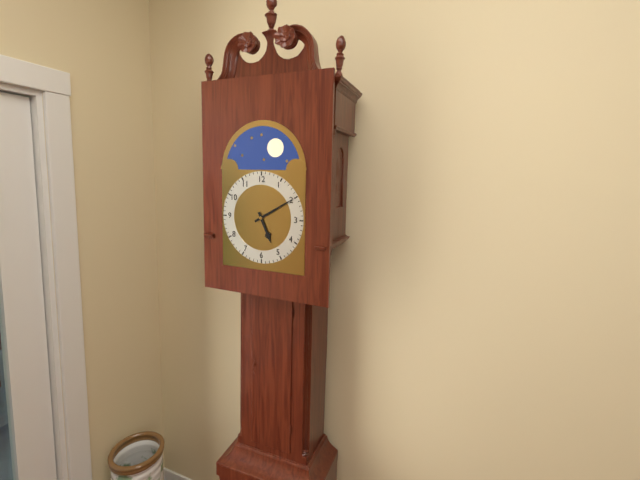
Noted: 5,10
